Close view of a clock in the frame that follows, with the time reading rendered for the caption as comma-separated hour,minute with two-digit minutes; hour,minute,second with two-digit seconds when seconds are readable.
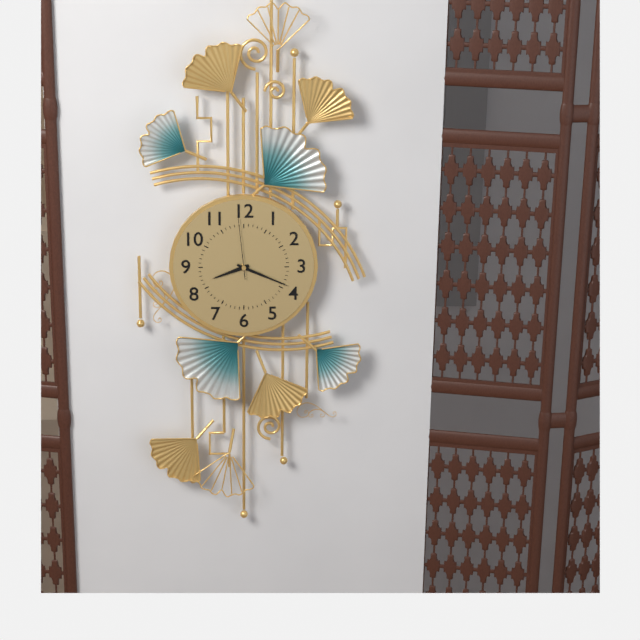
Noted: 8,19,59
